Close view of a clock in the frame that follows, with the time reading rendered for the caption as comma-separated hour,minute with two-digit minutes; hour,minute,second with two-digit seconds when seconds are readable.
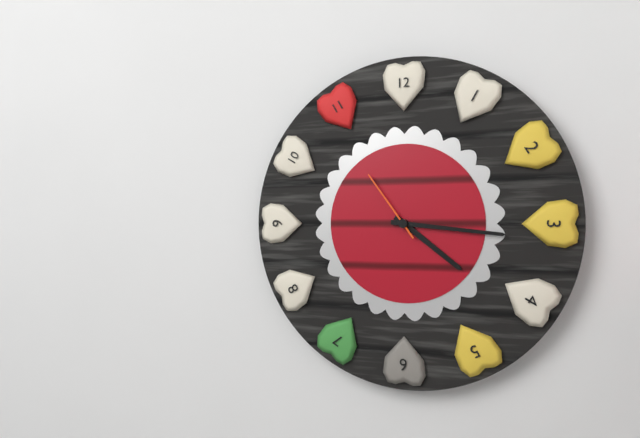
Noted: 4,16,54
